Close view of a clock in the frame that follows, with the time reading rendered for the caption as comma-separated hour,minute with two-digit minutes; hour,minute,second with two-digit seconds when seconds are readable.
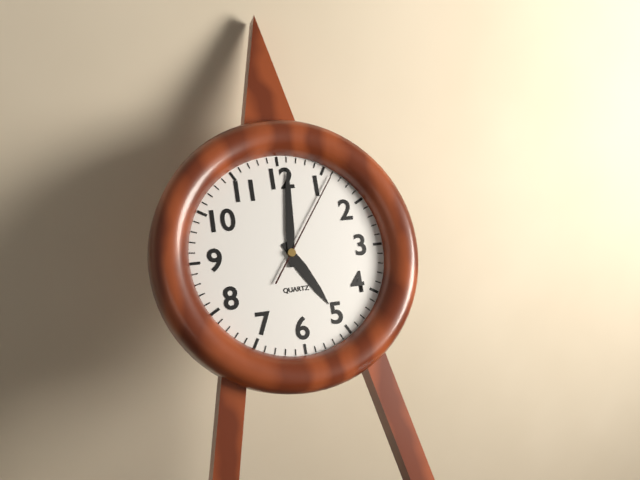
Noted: 5,01,06
